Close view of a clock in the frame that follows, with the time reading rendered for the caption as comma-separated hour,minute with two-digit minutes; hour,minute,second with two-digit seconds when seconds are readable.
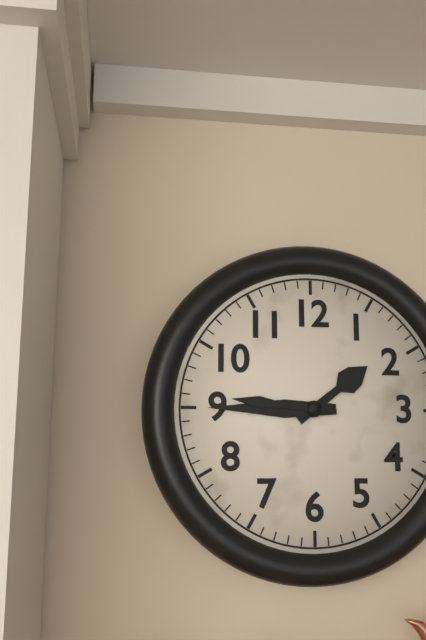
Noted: 1,45,46
